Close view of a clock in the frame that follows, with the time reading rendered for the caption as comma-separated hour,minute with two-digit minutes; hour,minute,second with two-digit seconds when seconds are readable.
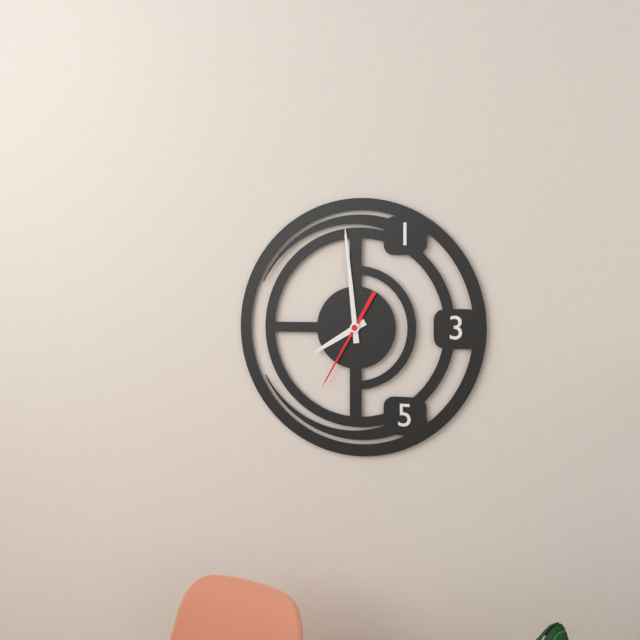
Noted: 7,59,35
